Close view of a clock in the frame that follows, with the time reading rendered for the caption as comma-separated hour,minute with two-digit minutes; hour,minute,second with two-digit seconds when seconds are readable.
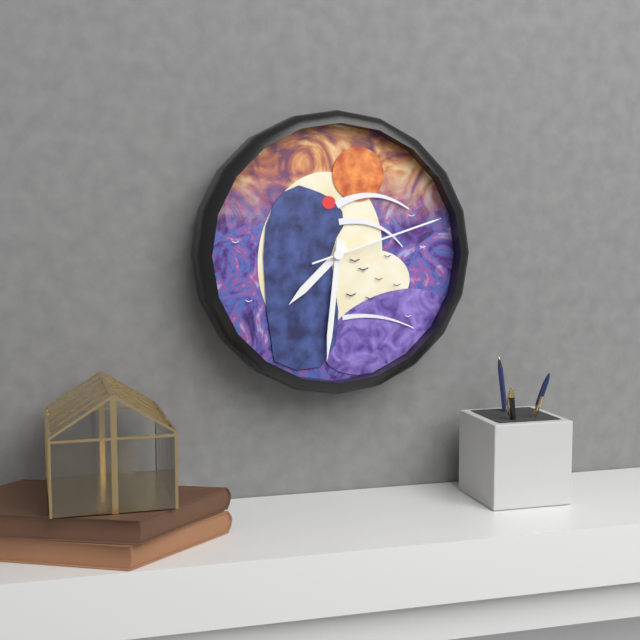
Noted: 7,31,12
